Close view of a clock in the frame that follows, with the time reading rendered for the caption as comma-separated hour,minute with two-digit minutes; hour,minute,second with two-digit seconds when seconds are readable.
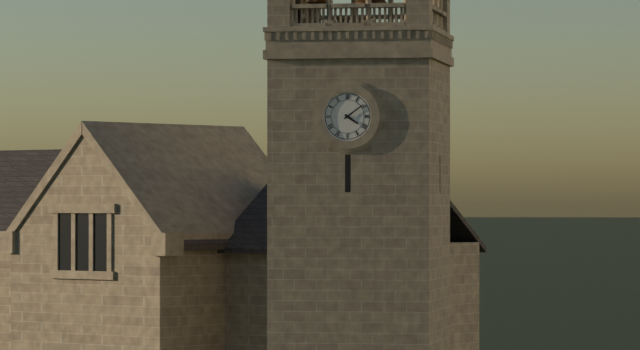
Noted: 4,09
